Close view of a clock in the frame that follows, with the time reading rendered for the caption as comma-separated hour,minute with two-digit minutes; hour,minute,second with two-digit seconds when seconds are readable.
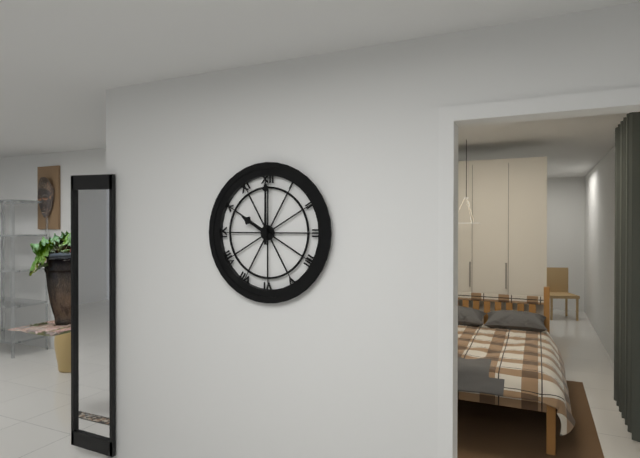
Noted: 10,00
